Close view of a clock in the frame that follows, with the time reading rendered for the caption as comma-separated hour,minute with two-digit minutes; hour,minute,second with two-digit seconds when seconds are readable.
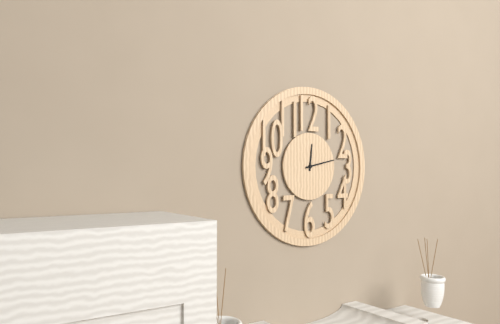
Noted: 12,13
